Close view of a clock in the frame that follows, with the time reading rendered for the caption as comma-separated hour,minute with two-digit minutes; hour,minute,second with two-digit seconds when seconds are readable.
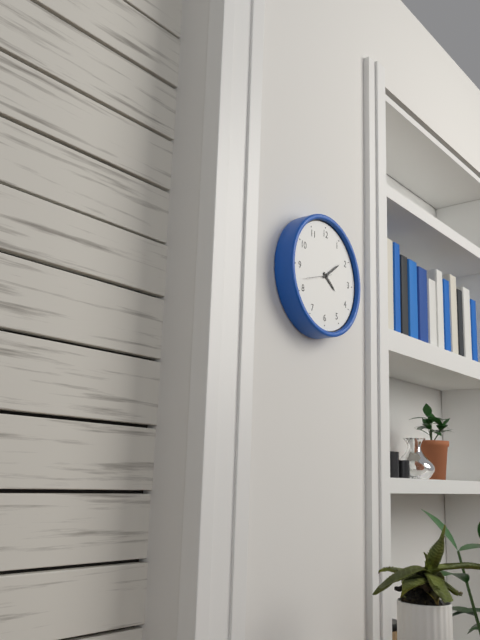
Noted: 4,09
